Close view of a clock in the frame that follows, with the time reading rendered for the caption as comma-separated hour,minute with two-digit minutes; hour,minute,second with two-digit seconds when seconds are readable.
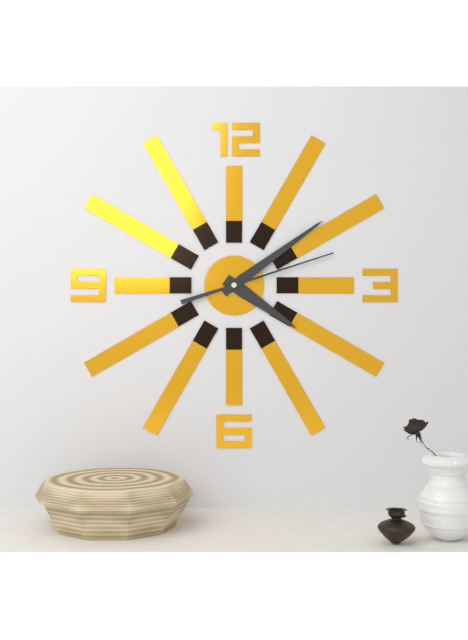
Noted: 4,09,12
